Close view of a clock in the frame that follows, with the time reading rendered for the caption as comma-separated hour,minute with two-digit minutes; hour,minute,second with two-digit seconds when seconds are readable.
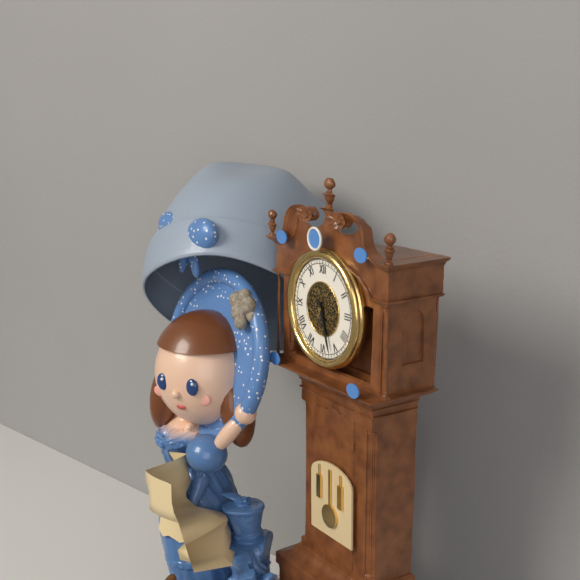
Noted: 5,27
